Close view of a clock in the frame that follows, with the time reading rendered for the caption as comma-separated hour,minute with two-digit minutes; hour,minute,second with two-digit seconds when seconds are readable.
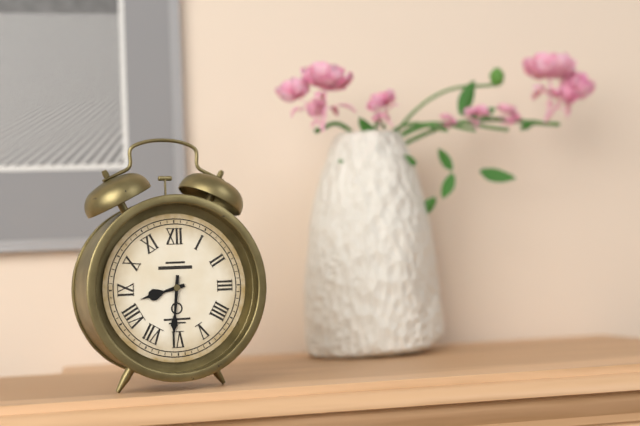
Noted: 8,31
